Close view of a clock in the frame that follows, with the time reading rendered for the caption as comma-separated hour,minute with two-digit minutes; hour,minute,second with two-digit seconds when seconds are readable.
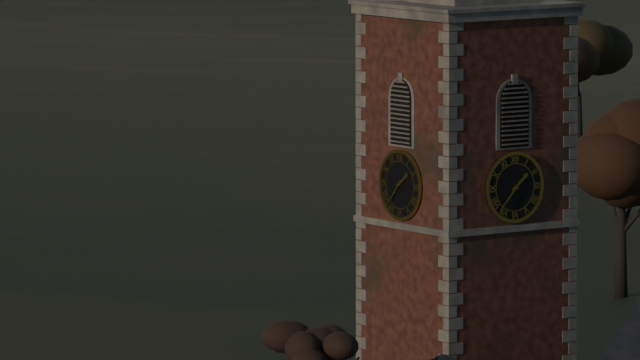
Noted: 1,37
